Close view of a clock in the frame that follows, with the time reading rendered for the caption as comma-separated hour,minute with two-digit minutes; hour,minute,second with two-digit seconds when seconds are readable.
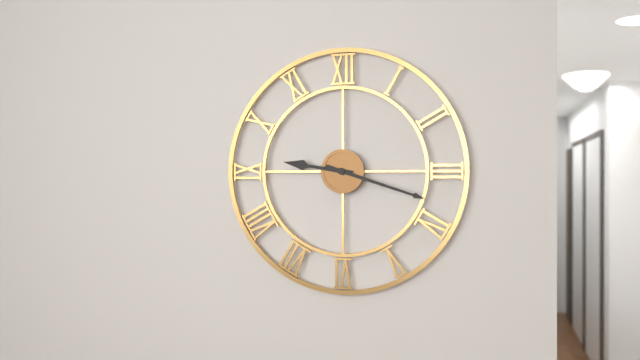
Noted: 9,18
